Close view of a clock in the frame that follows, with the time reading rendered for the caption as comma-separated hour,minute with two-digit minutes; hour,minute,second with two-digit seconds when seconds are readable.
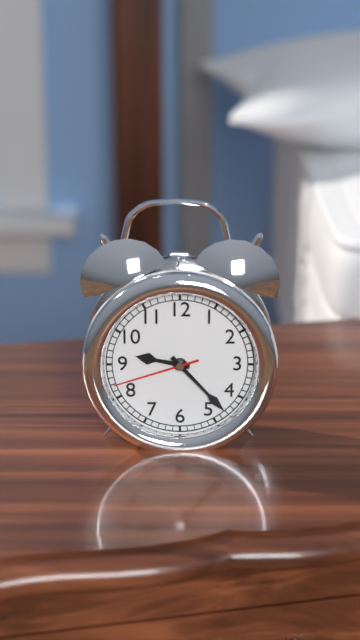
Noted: 9,23,42
